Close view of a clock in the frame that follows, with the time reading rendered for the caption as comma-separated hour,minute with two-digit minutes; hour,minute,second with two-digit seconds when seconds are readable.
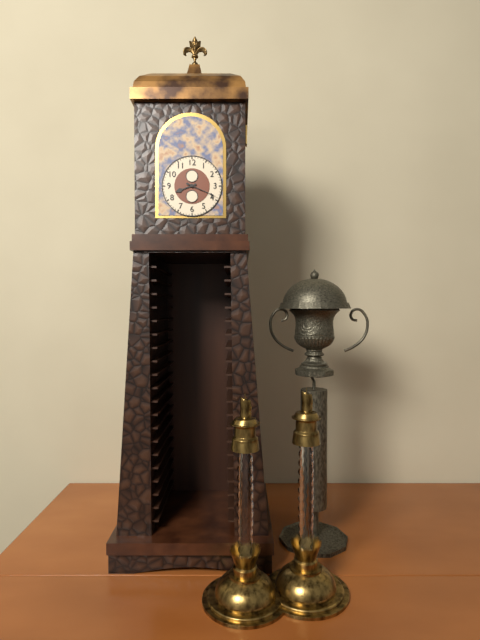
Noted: 8,19
